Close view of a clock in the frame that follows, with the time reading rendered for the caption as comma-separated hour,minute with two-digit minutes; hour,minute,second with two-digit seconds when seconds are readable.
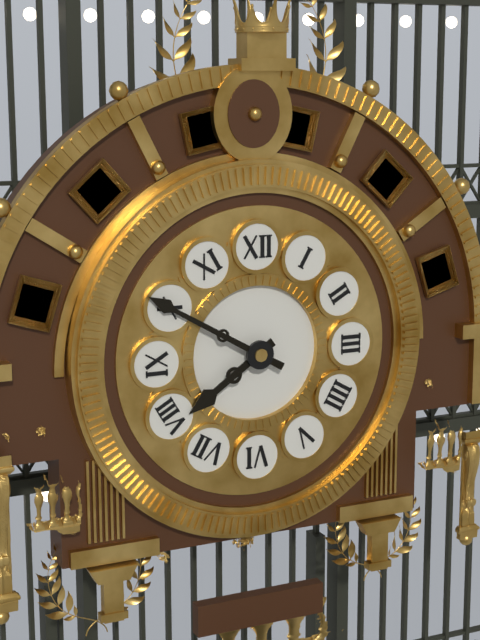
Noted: 7,50
